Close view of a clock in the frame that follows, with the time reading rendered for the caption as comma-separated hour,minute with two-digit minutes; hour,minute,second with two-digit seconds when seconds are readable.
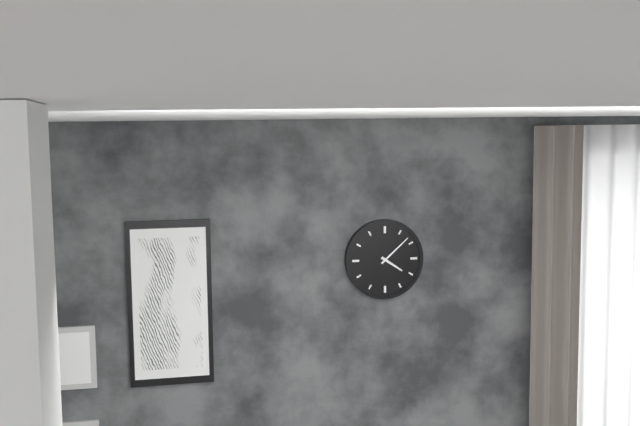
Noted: 4,08
